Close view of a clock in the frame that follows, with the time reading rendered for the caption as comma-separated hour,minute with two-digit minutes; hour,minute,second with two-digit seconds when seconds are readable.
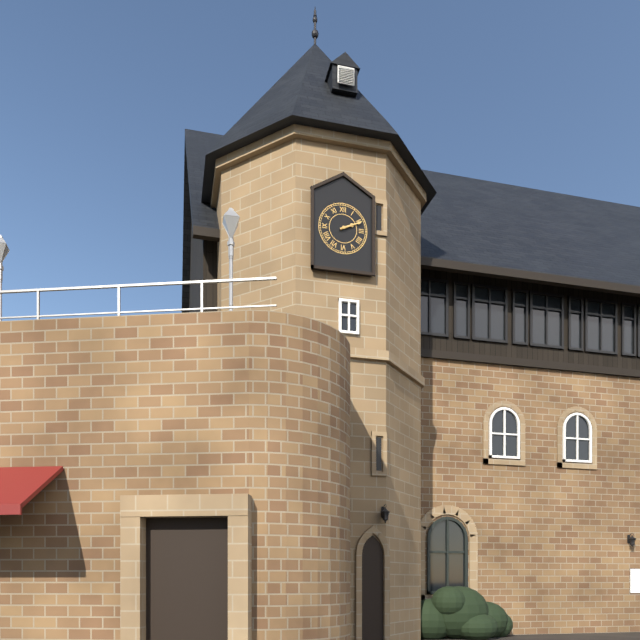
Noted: 2,11
